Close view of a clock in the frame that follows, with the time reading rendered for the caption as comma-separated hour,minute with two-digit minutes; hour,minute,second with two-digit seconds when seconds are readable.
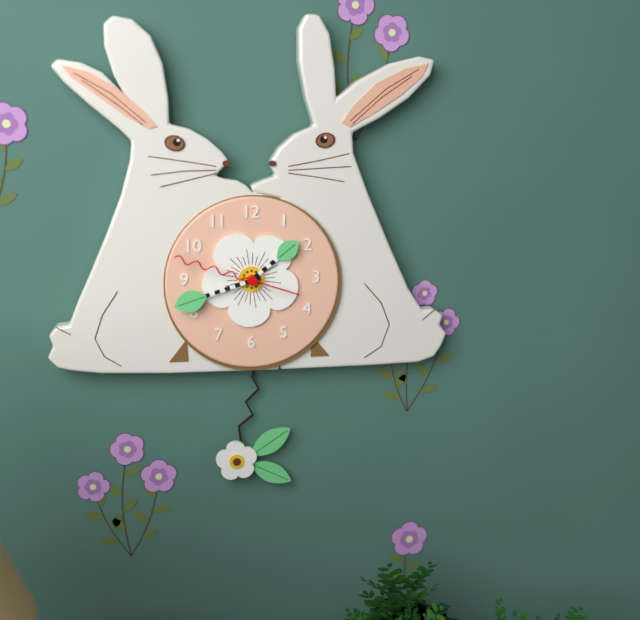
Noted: 1,42,48
